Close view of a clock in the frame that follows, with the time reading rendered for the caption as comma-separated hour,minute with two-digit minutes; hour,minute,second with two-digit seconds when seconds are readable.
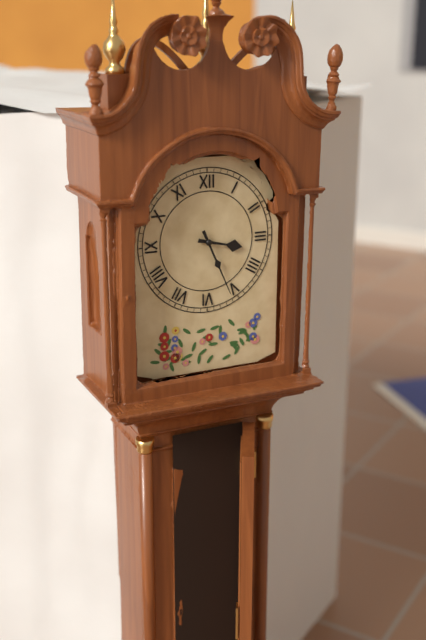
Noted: 3,26
